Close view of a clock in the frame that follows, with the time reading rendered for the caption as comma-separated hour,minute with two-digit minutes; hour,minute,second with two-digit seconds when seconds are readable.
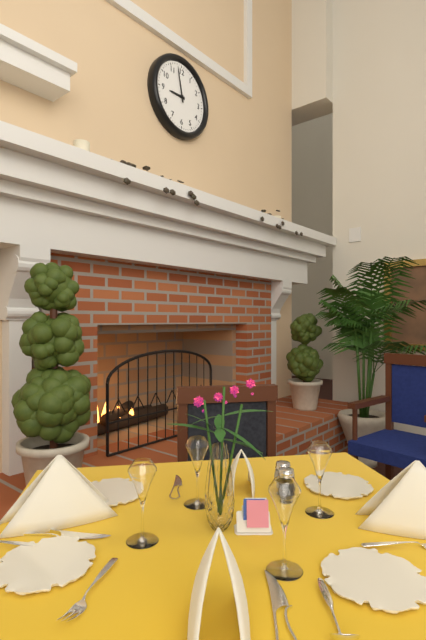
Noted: 8,58
